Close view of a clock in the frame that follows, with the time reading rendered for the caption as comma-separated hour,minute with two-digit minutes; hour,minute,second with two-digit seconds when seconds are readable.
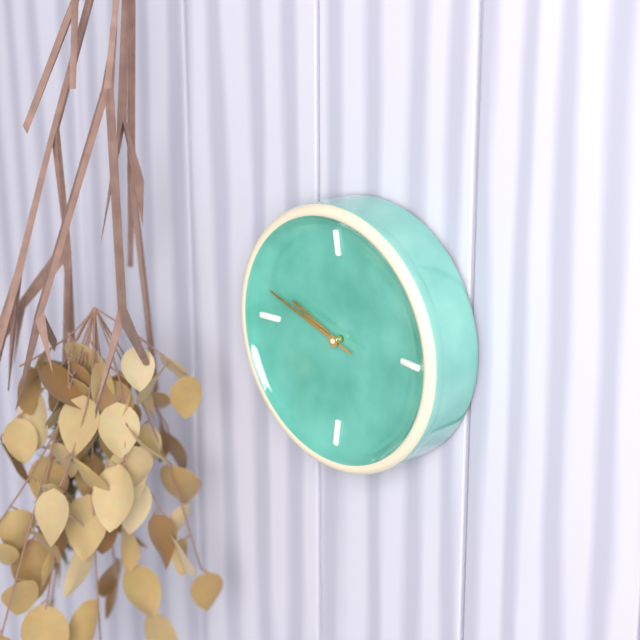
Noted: 9,48
